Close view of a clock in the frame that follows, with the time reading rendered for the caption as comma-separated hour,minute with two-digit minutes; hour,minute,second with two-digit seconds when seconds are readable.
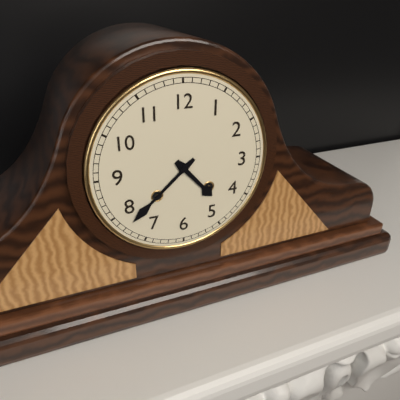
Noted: 4,38
